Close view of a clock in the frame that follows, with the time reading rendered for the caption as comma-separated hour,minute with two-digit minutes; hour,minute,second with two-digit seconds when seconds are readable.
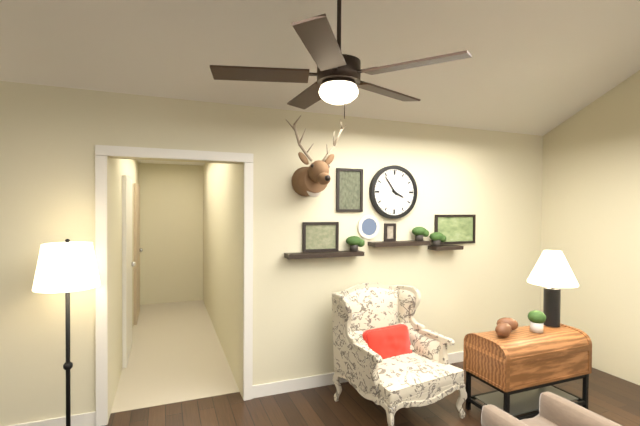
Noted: 3,54
